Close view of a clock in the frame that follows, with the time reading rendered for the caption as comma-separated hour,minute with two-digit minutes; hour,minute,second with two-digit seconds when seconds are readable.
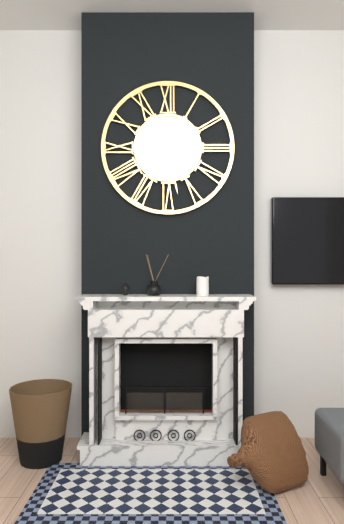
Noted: 12,28
